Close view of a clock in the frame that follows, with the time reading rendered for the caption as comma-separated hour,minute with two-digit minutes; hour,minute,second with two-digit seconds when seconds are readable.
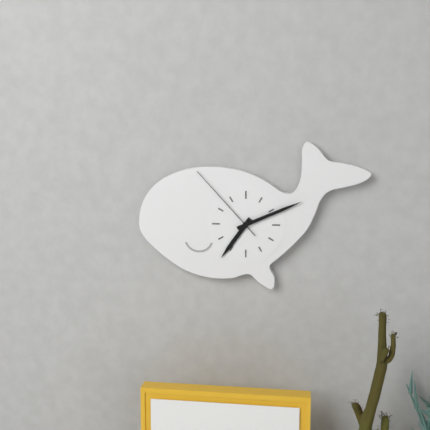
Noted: 7,11,53
